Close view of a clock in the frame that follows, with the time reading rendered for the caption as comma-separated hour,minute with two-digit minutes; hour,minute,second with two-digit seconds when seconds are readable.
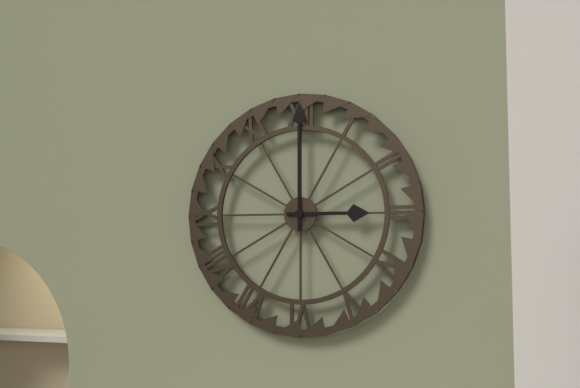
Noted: 3,00
